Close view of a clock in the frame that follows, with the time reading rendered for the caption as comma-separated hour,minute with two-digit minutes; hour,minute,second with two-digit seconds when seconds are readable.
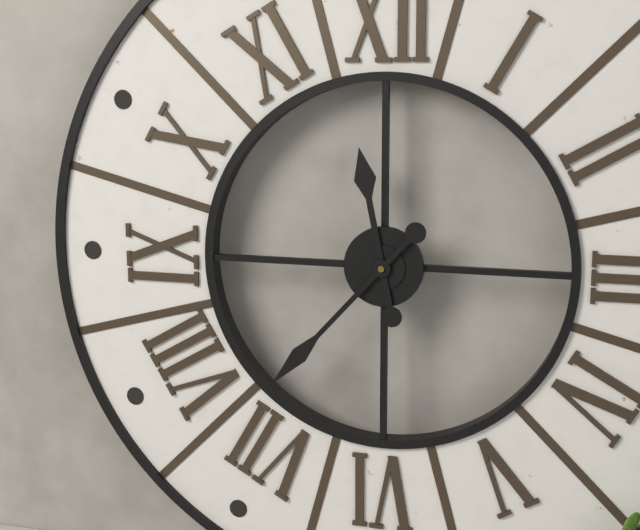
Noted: 11,37
